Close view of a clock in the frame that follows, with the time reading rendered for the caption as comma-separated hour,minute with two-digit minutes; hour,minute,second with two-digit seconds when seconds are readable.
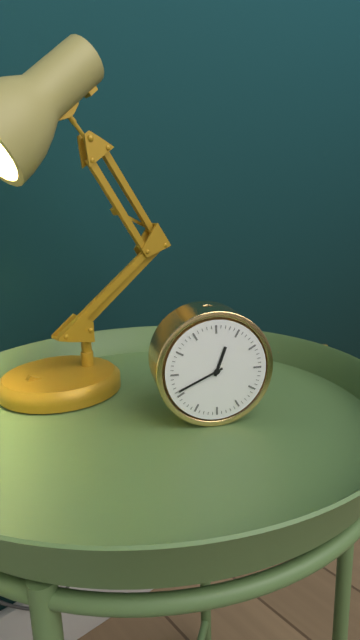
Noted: 12,41
